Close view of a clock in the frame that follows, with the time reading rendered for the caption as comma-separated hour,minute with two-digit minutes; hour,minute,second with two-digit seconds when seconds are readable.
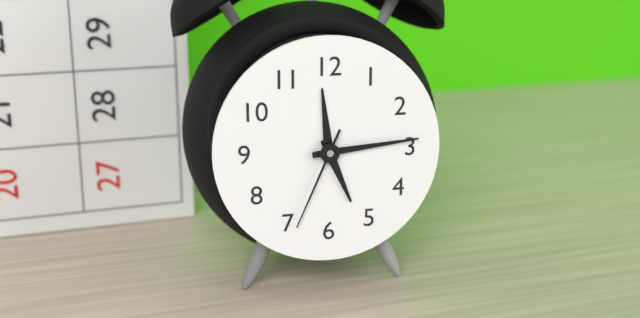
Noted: 5,14,34
